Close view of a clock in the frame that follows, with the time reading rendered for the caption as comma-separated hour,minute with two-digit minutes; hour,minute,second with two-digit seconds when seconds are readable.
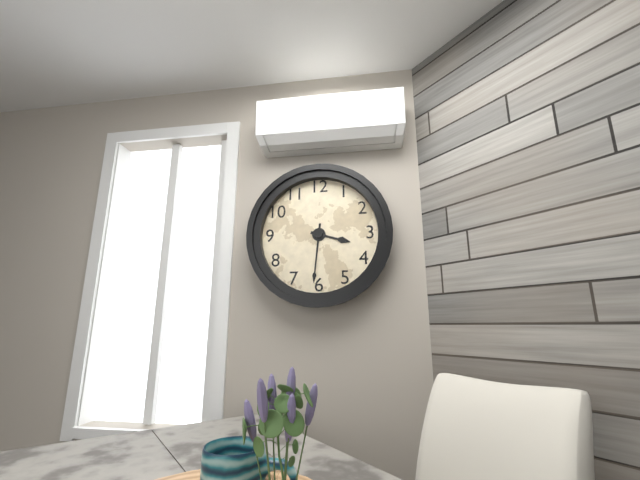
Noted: 3,31
